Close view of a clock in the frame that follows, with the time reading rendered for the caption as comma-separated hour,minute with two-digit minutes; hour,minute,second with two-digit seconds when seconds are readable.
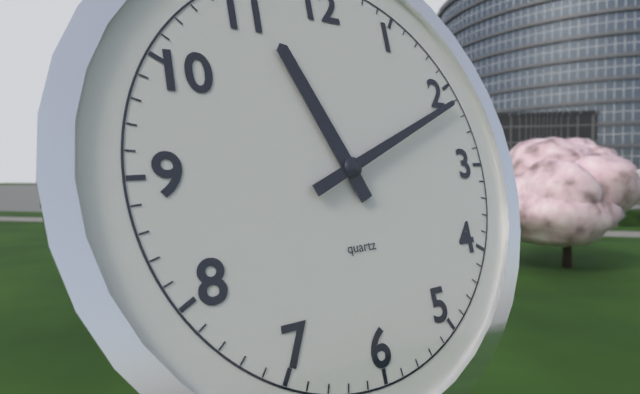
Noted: 11,11
